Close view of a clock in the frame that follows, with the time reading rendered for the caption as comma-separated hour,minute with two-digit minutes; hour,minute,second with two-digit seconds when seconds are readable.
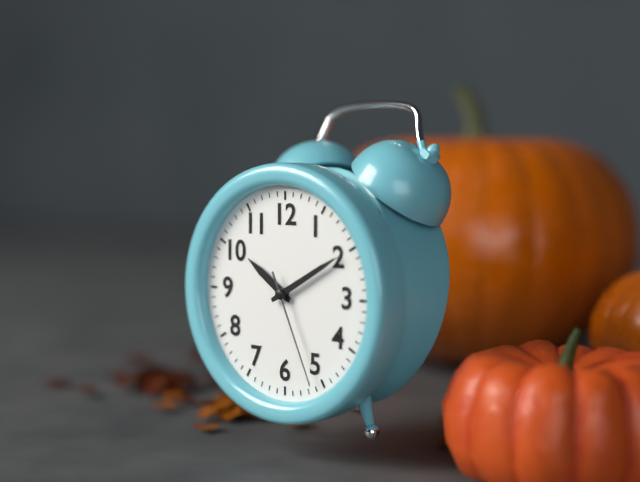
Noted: 10,10,26
